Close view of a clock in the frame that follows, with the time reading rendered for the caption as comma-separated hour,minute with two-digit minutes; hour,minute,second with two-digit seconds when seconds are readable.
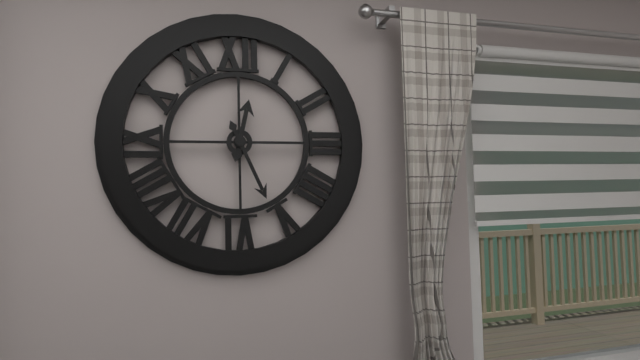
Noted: 12,26
